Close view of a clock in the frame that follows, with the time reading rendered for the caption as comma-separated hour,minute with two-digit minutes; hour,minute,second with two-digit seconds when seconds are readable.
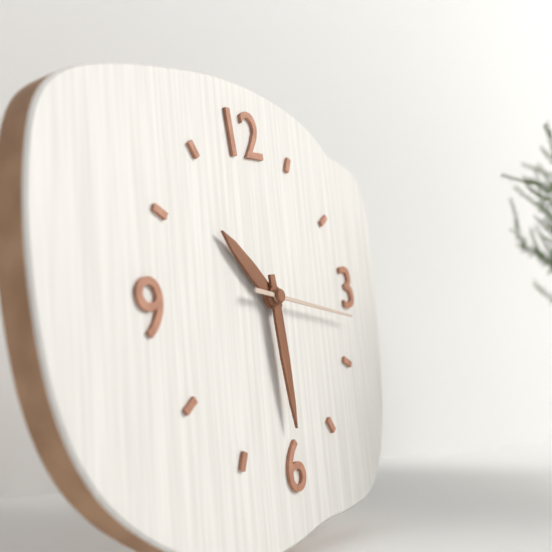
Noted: 10,30,17
